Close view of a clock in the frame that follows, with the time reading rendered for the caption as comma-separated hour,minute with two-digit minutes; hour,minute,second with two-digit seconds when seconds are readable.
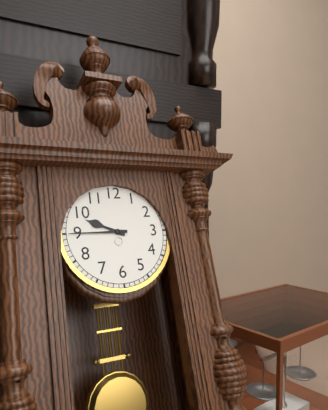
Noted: 9,45
